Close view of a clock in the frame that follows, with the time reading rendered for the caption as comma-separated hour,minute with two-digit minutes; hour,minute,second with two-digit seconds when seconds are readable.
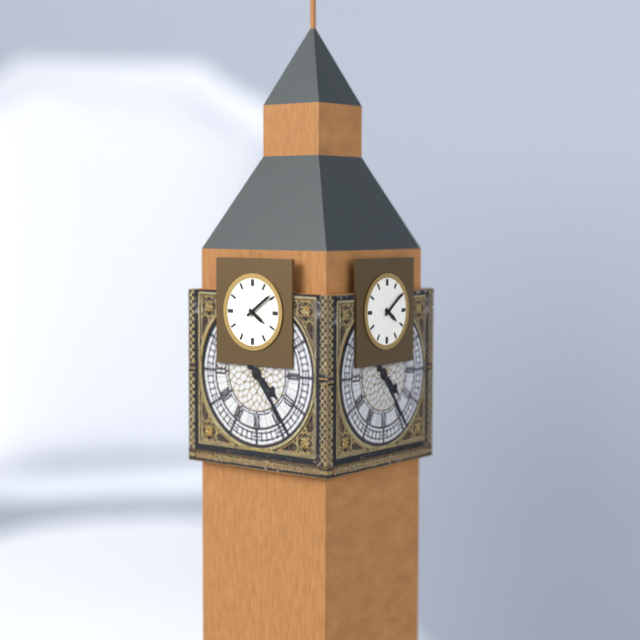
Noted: 4,09
